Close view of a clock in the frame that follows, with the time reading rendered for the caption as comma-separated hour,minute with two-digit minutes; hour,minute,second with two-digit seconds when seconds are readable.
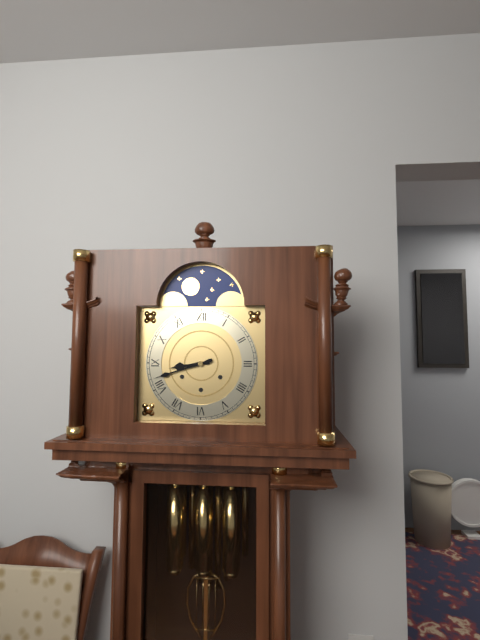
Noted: 8,42
